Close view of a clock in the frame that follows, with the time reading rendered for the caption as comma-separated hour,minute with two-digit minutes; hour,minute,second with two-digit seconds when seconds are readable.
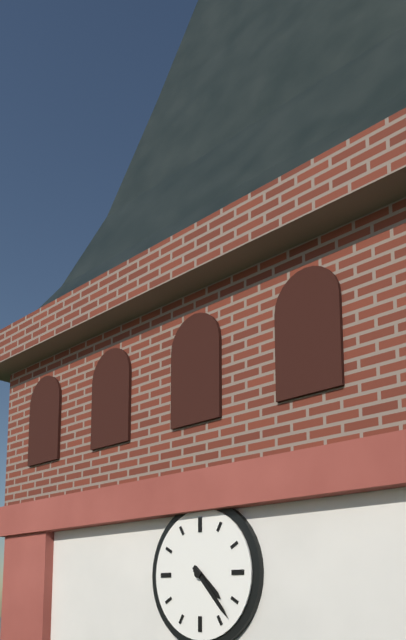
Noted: 4,23
